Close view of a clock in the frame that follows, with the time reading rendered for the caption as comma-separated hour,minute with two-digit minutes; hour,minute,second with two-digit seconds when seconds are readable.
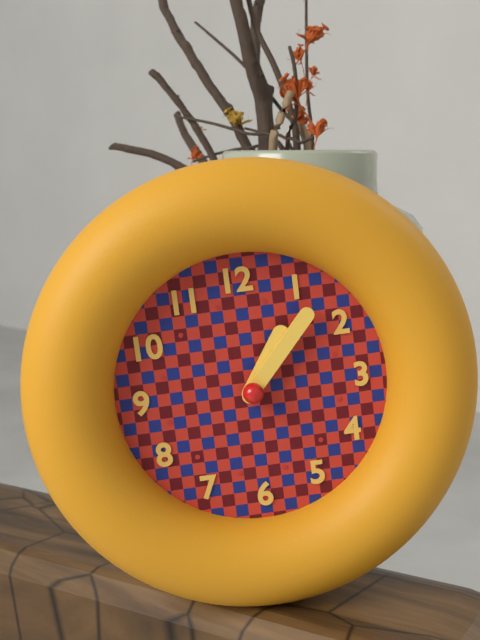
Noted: 1,07
